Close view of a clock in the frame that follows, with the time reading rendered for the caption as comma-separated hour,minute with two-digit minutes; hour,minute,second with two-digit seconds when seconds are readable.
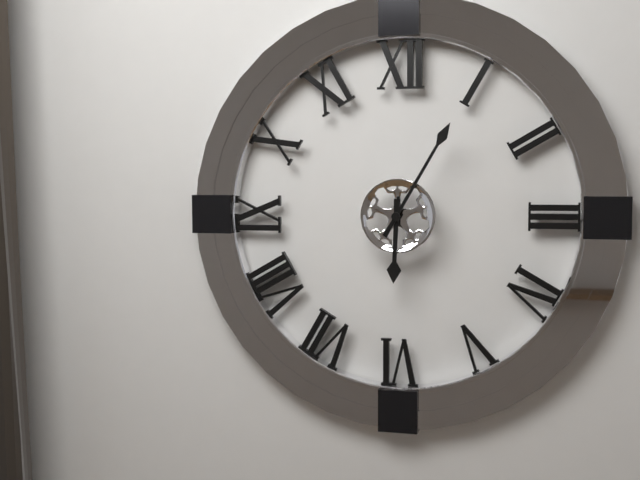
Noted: 6,05
